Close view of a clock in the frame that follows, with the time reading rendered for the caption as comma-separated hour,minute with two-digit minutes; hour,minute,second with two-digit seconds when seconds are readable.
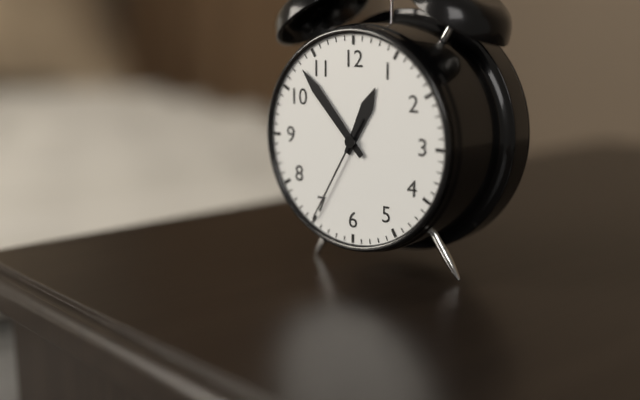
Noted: 12,53,35
